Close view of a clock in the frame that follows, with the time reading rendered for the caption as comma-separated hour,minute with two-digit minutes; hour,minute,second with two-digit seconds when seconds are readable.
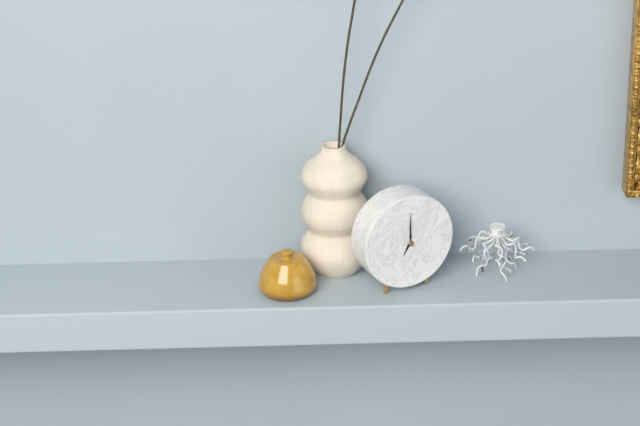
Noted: 7,00
